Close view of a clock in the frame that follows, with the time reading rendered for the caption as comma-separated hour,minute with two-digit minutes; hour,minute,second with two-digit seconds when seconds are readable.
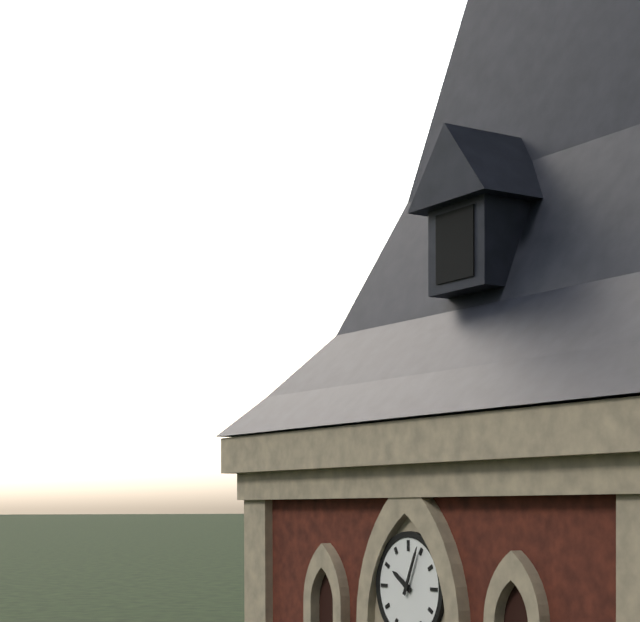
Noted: 10,04
